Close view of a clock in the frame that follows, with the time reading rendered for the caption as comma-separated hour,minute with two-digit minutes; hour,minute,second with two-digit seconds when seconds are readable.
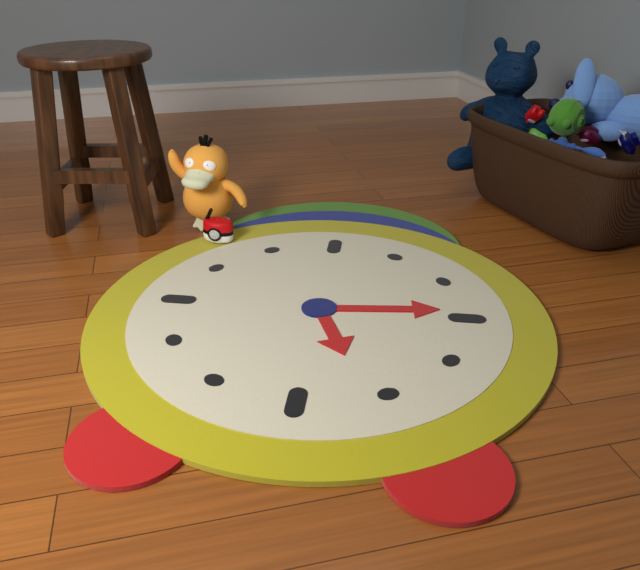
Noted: 5,14
